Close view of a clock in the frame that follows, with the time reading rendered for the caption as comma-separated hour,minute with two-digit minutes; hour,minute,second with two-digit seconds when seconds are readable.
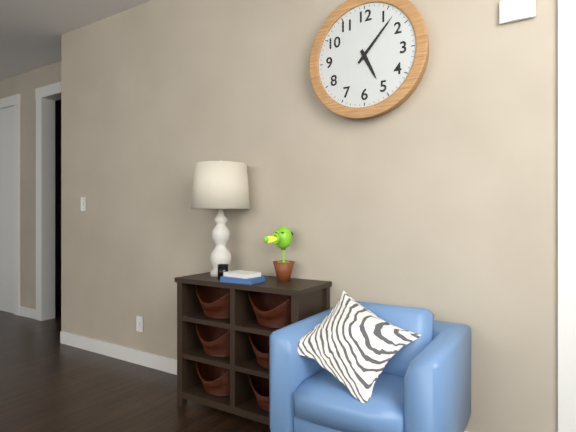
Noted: 5,07
